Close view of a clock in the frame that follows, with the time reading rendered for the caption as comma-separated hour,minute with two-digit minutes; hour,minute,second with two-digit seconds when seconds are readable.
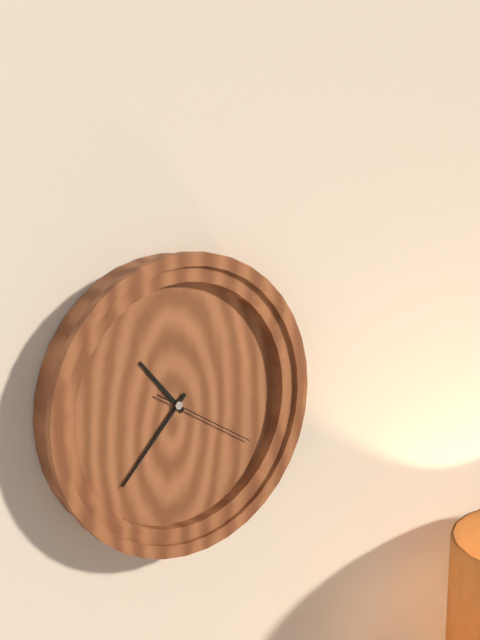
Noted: 10,37,20
